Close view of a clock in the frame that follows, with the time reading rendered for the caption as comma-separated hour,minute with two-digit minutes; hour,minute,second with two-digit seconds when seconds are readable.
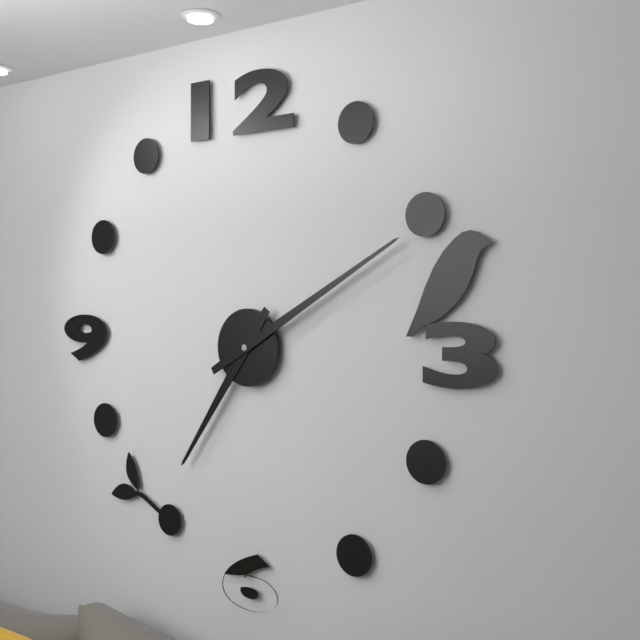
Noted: 7,10
